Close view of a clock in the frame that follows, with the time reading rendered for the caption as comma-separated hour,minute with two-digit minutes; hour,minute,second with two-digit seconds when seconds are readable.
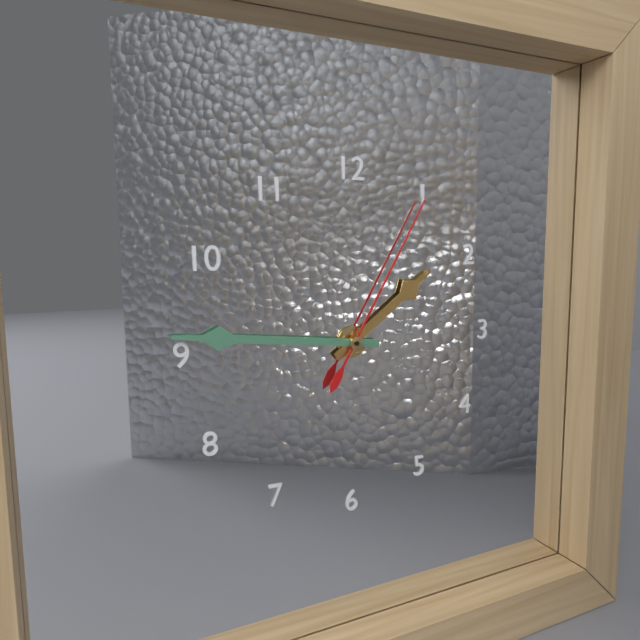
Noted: 1,46,05
